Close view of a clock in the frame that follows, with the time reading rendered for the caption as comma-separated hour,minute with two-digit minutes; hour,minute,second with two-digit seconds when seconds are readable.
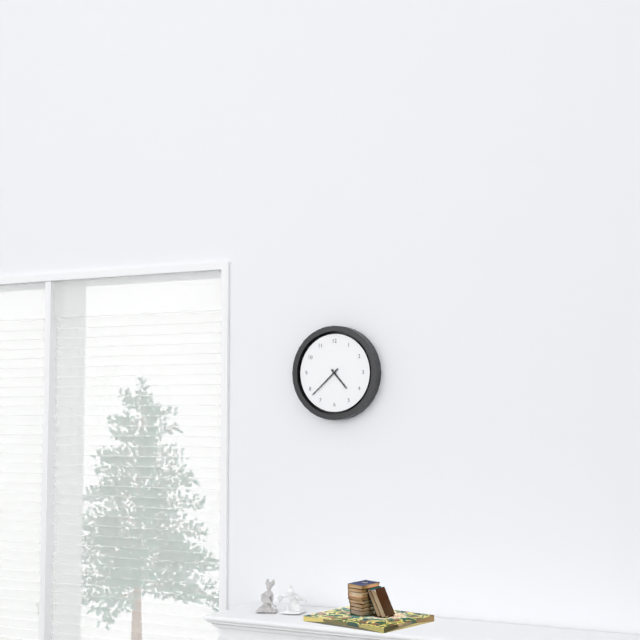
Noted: 4,38
